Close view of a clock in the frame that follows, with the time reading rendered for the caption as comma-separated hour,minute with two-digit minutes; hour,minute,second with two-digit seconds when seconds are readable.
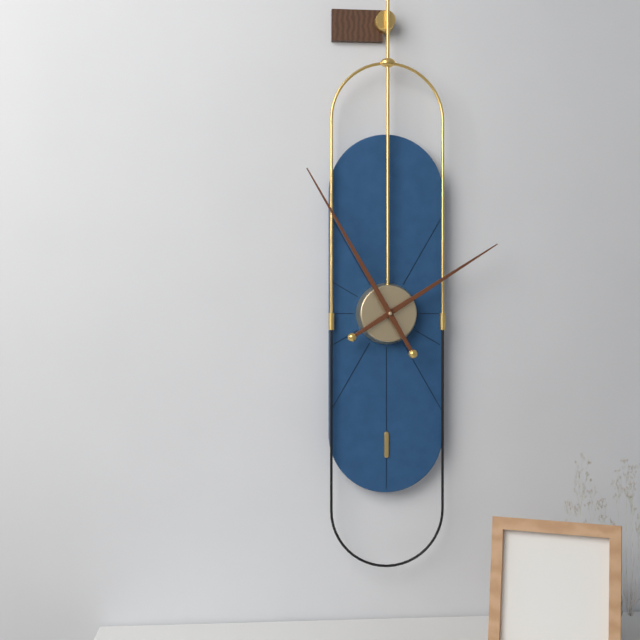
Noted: 1,55
